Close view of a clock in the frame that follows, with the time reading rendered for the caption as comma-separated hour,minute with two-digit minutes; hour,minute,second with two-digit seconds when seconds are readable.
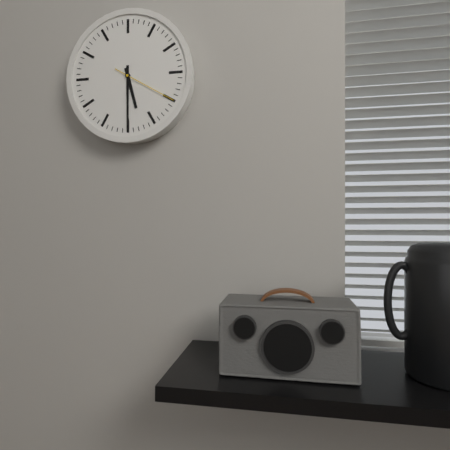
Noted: 5,30,20
